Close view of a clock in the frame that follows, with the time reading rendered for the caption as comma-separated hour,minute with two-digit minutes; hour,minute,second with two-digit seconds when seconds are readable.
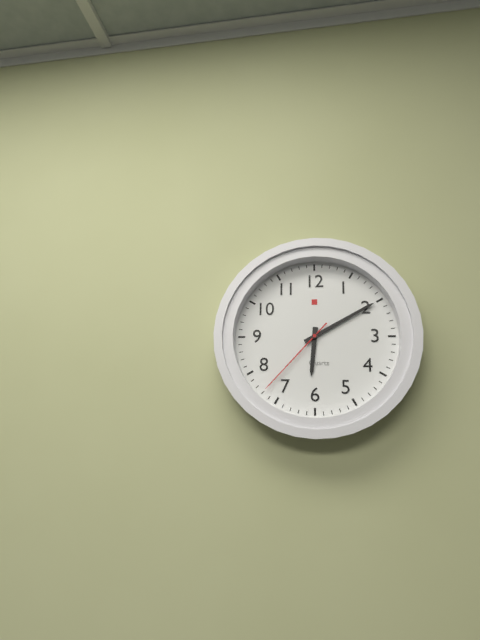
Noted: 6,10,37
